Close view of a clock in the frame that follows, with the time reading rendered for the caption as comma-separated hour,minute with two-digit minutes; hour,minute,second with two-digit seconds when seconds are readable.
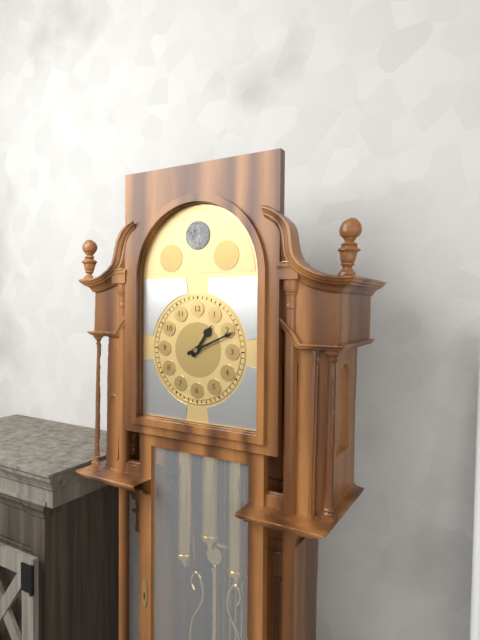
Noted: 1,11
